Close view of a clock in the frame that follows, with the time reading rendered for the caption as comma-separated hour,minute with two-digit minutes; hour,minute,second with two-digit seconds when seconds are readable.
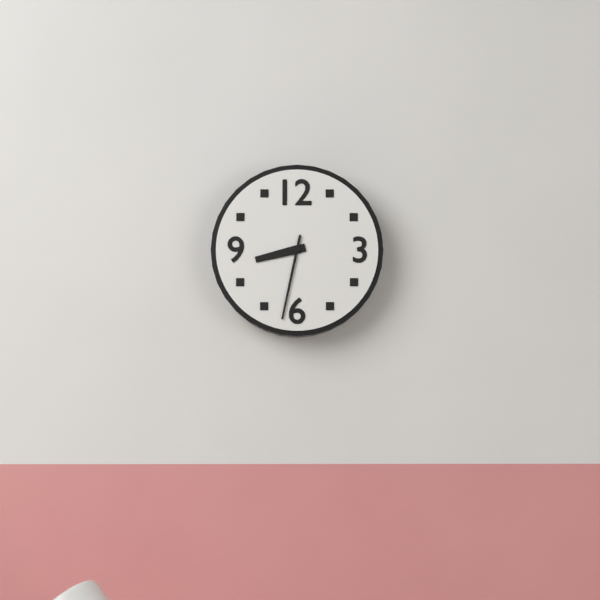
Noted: 8,32
